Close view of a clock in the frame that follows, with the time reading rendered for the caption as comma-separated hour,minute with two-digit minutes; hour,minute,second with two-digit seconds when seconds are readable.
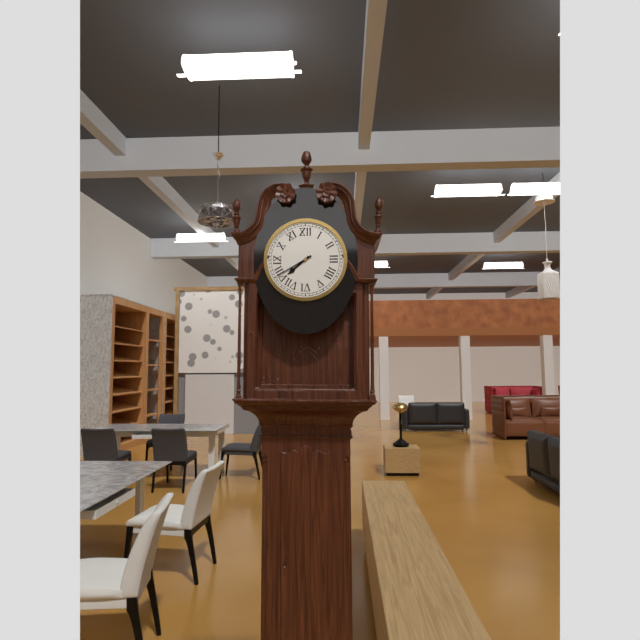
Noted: 7,40
